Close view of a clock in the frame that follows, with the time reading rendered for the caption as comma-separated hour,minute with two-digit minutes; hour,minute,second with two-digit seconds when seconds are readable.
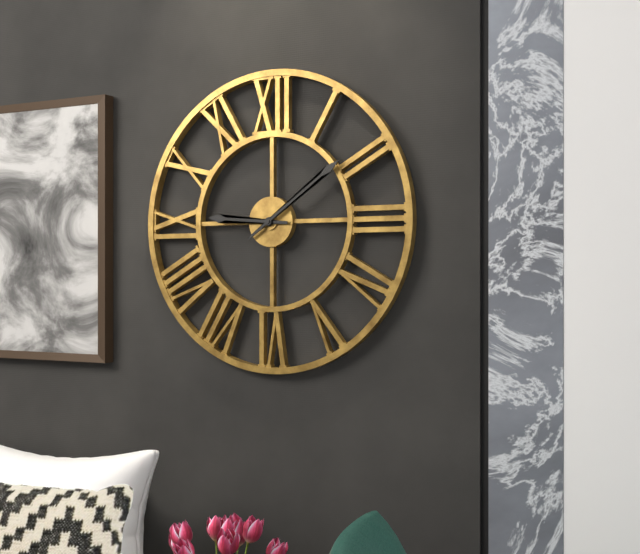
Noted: 9,09
